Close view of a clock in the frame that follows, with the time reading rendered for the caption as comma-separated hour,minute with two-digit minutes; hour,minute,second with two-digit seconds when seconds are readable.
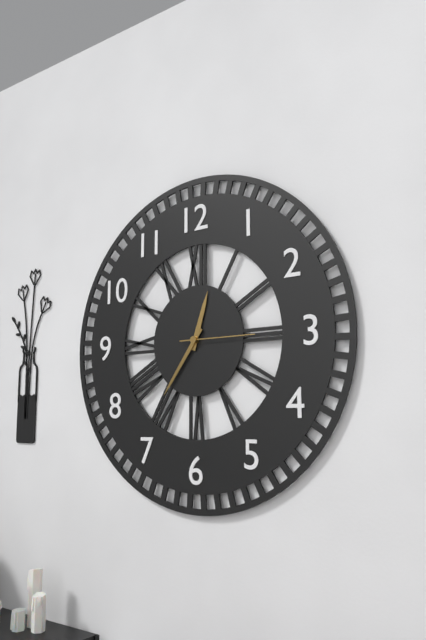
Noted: 12,36,15
